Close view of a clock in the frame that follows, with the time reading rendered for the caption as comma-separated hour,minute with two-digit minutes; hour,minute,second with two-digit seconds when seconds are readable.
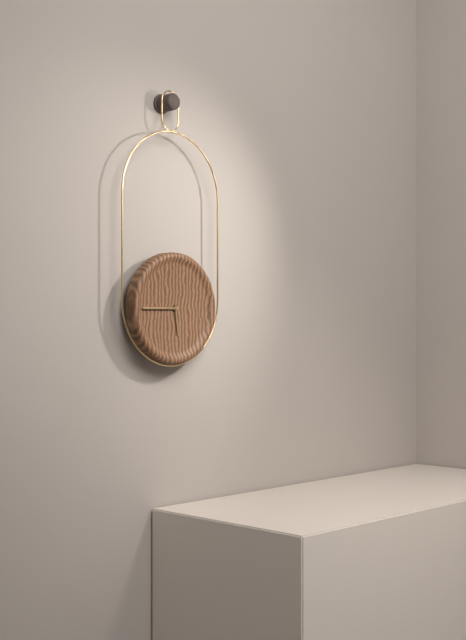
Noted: 5,45
